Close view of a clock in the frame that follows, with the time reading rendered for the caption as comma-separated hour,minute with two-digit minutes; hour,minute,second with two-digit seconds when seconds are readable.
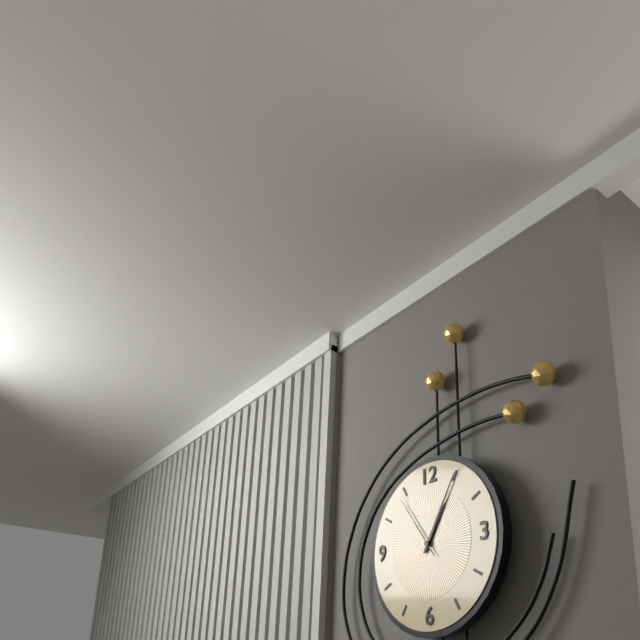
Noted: 1,05,54
